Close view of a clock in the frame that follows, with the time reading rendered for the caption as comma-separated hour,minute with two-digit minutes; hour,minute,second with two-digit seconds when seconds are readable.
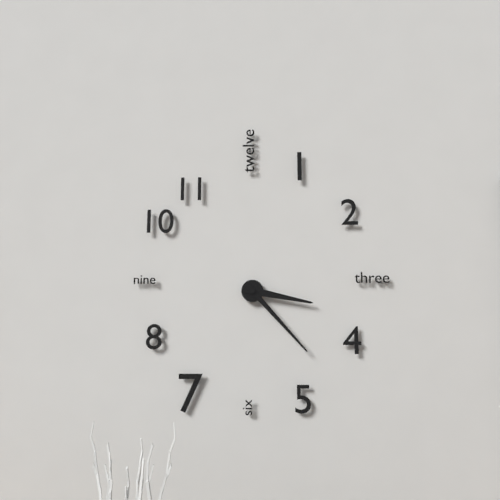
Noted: 3,23
